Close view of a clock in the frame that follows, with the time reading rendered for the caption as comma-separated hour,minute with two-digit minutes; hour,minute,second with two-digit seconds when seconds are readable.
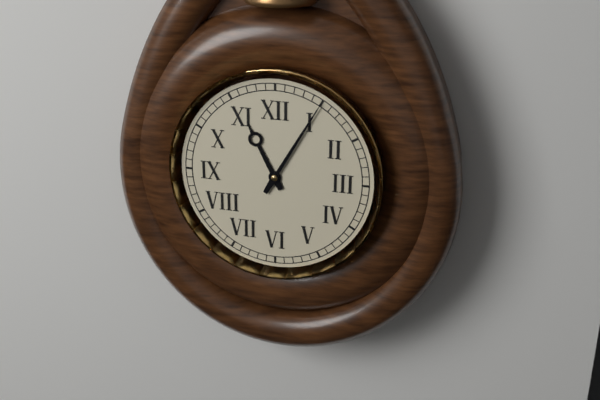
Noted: 11,05
